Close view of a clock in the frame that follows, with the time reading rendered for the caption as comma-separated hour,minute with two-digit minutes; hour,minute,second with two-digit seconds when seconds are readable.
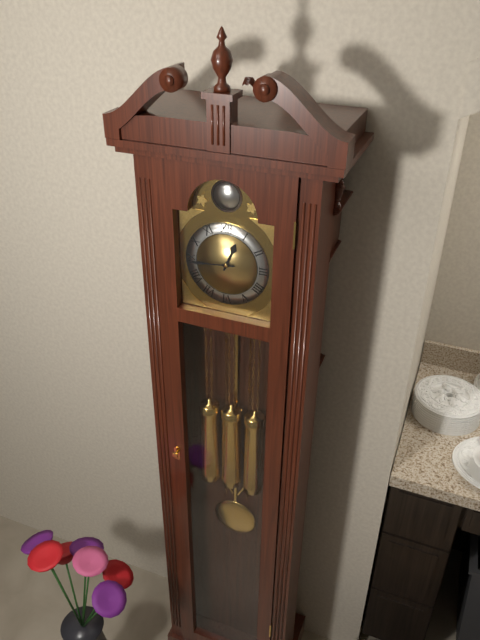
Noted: 12,44
